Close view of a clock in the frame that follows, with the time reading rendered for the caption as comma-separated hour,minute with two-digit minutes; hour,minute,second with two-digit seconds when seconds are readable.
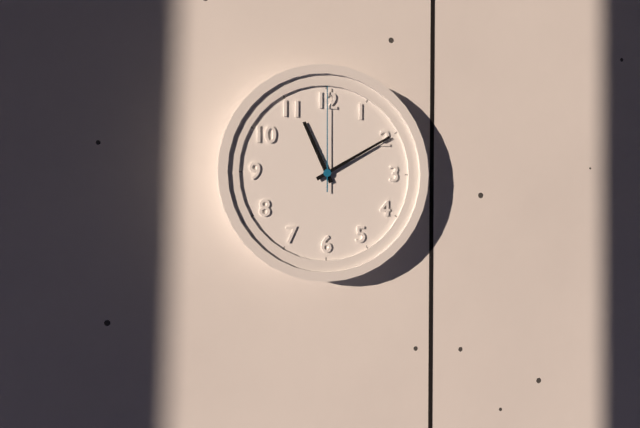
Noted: 11,10,00
